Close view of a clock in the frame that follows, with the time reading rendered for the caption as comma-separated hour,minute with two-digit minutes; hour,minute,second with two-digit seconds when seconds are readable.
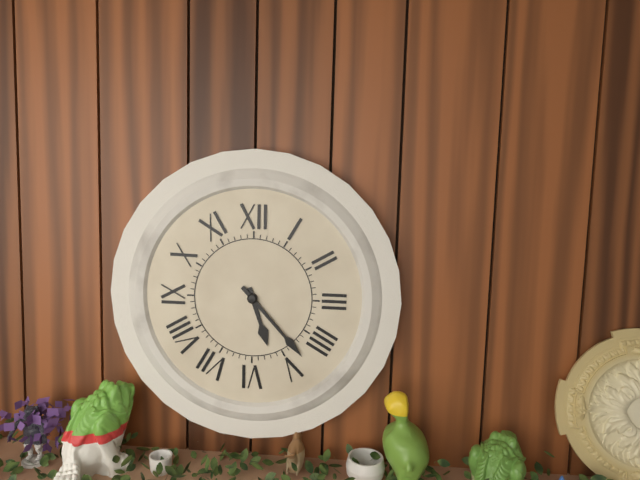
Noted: 5,23
